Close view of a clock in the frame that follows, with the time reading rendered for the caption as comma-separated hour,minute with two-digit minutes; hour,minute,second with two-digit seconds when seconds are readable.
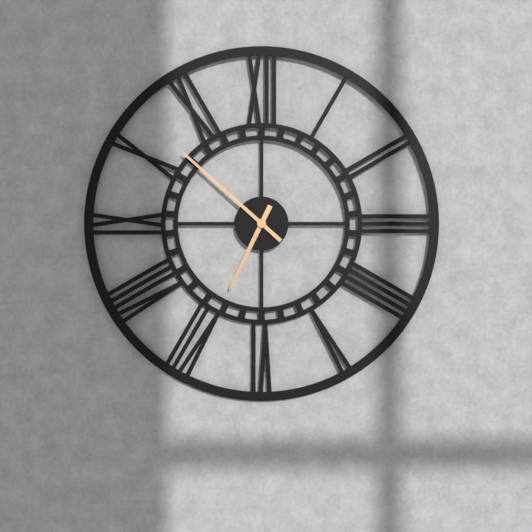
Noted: 6,52
